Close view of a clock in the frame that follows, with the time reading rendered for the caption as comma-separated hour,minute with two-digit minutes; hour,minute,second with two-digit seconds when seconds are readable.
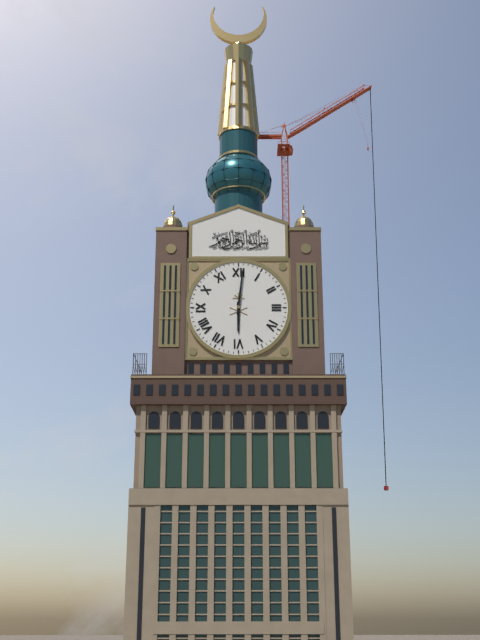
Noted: 6,01
